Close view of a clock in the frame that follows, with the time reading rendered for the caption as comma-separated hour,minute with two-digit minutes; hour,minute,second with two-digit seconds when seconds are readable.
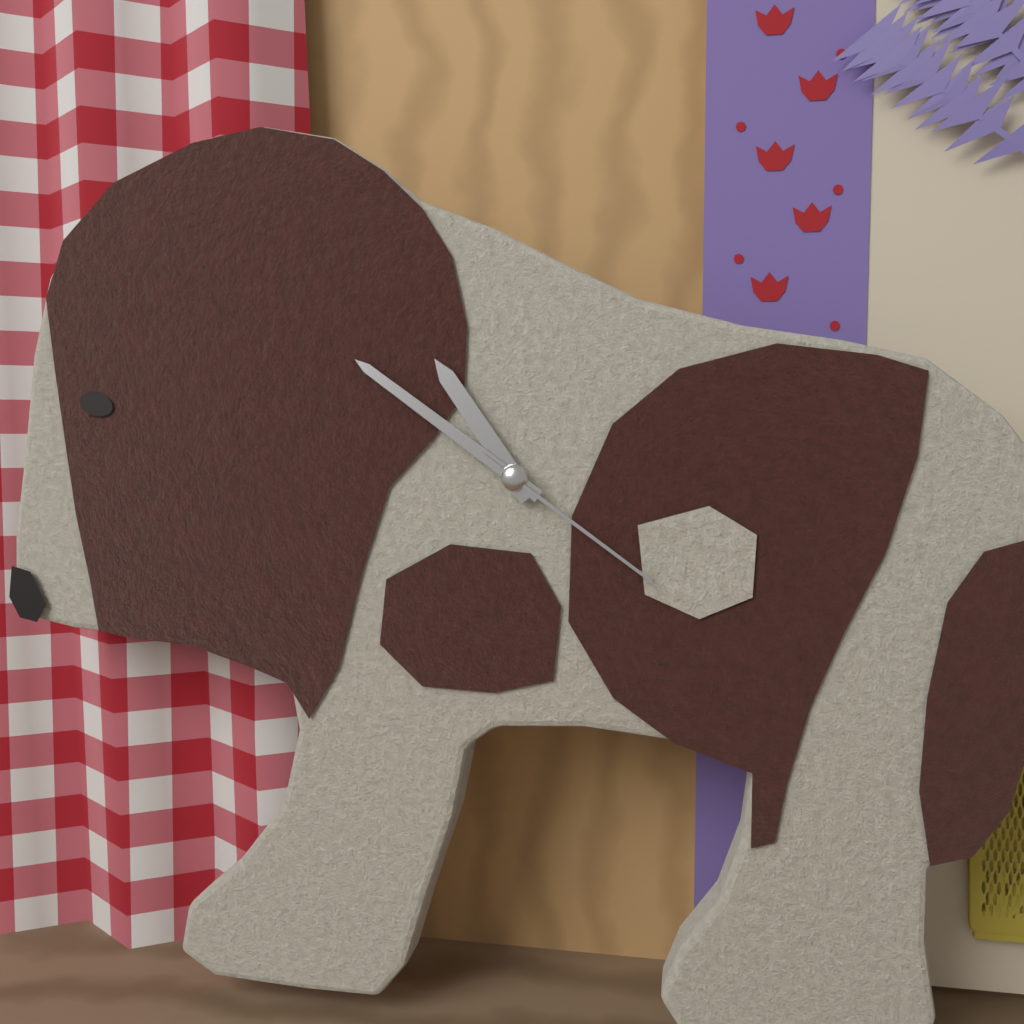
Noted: 10,51,21
